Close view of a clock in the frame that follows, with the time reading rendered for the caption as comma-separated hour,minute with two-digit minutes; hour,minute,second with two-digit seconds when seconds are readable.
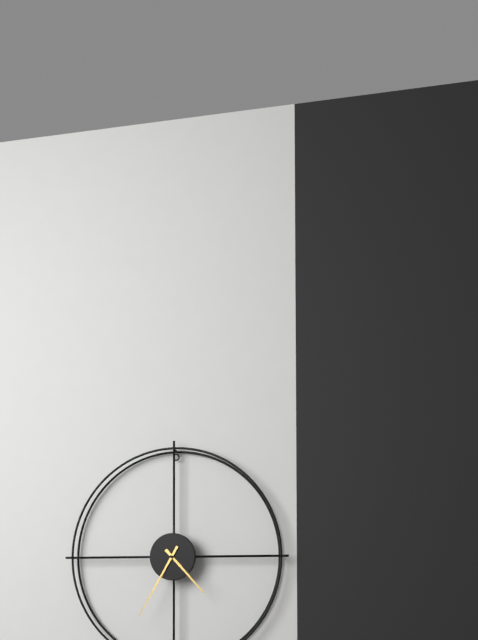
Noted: 4,35
